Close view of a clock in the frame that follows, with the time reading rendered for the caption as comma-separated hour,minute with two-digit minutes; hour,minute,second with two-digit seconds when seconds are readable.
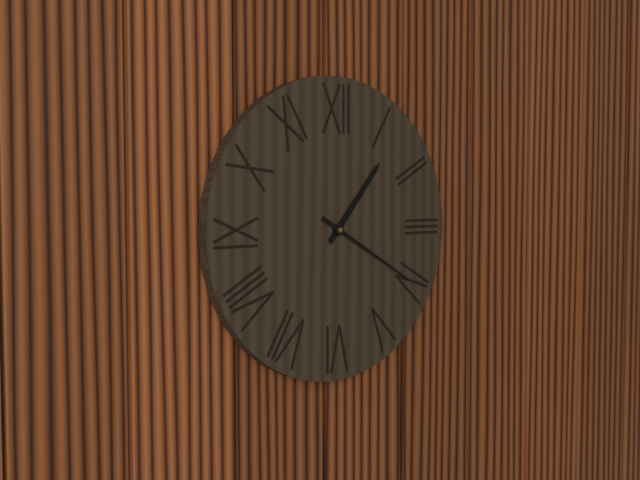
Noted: 1,20
